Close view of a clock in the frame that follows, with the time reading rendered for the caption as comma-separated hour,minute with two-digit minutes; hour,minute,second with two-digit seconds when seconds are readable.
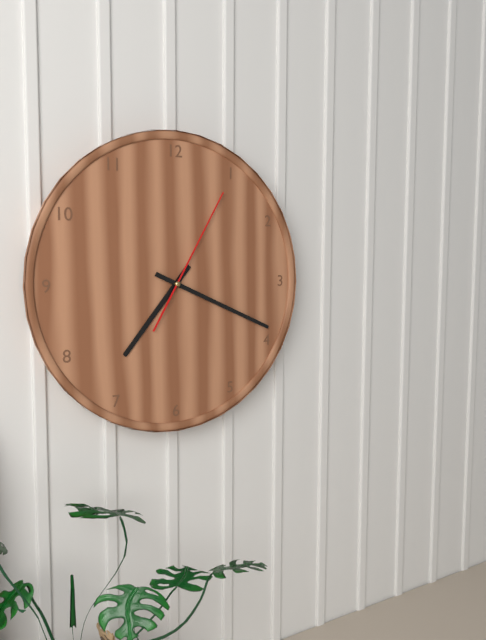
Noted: 7,19,05
